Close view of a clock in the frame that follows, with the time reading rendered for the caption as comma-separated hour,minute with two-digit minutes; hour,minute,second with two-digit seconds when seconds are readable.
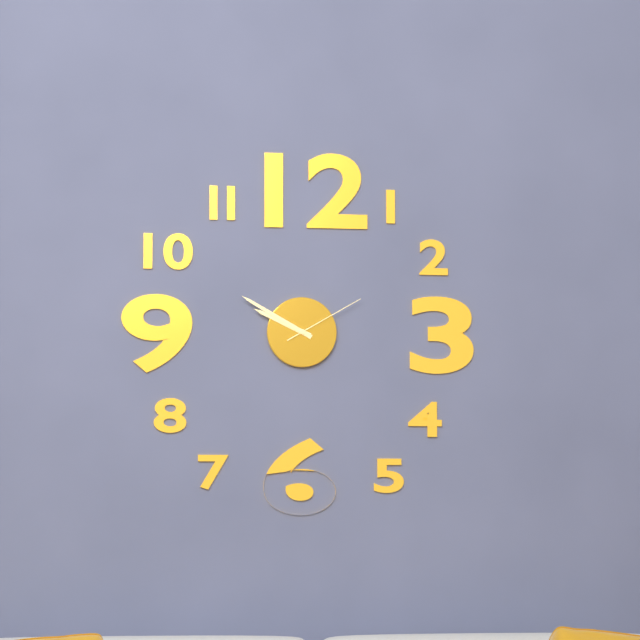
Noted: 9,50,10
